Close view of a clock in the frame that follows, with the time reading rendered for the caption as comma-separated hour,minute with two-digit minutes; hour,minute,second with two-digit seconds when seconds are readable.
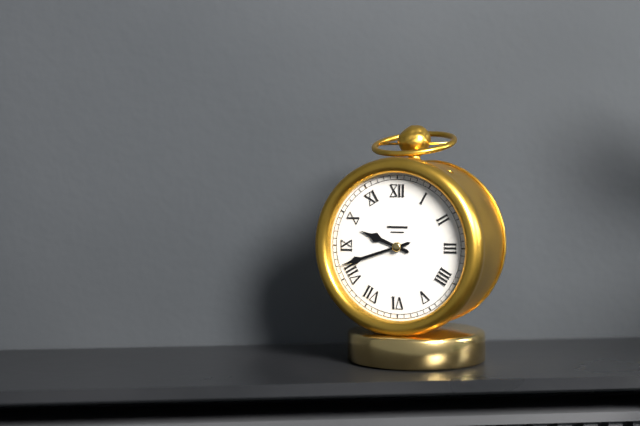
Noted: 9,42
